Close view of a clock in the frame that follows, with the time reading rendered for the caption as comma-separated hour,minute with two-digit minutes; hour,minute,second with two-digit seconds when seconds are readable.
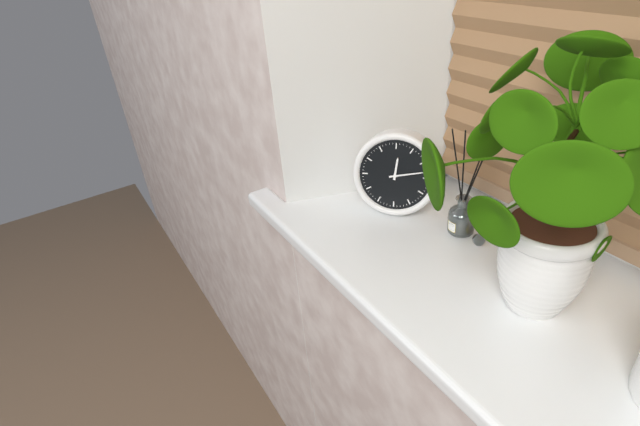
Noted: 12,13
